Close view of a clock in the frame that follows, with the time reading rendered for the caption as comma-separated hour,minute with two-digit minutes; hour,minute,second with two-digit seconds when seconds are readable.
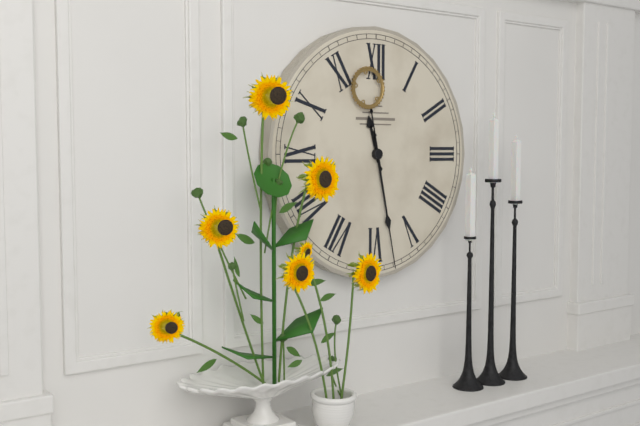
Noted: 11,28,58
